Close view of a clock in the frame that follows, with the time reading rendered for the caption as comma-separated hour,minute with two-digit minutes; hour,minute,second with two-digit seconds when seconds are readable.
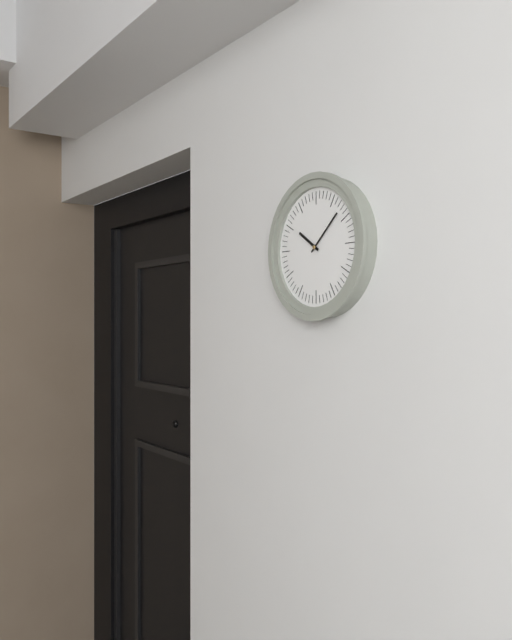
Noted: 10,08
